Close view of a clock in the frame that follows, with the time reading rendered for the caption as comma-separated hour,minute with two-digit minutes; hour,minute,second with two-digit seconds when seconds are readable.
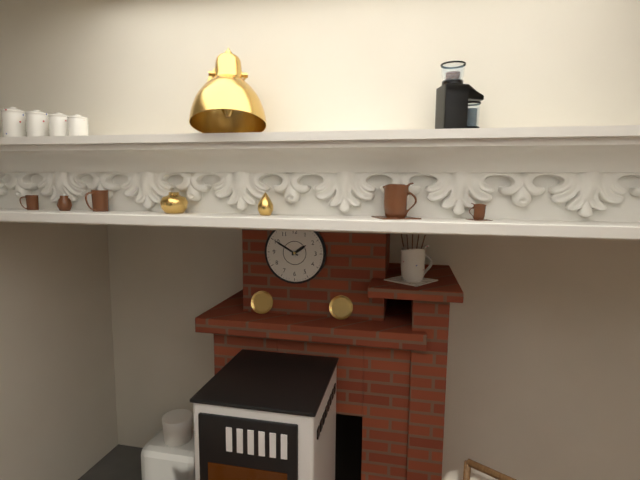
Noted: 1,50
